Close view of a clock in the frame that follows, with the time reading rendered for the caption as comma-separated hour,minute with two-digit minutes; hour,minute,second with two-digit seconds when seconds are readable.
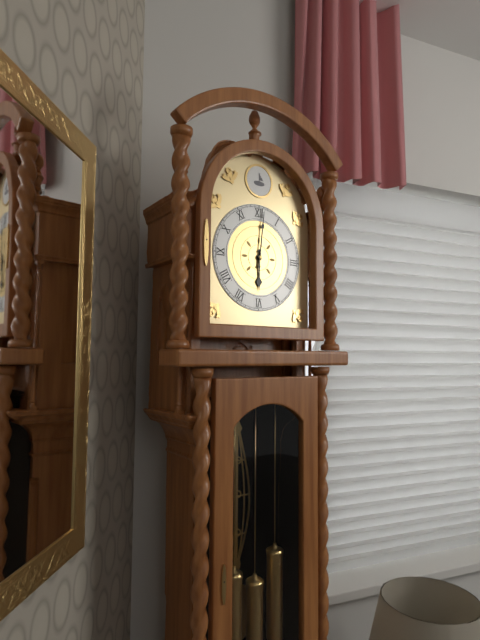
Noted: 6,01
